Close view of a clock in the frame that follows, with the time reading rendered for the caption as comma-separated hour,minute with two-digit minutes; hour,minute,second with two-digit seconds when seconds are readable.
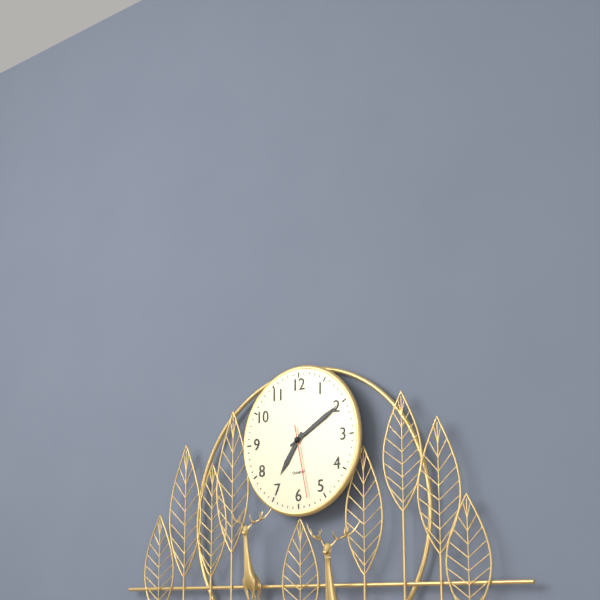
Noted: 7,10,28
